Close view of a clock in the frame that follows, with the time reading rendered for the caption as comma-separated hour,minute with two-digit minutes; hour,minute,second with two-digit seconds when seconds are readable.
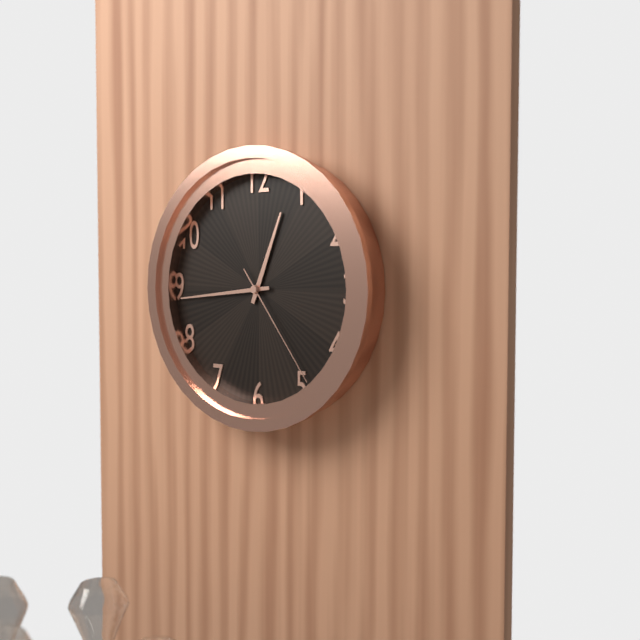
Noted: 12,44,24
